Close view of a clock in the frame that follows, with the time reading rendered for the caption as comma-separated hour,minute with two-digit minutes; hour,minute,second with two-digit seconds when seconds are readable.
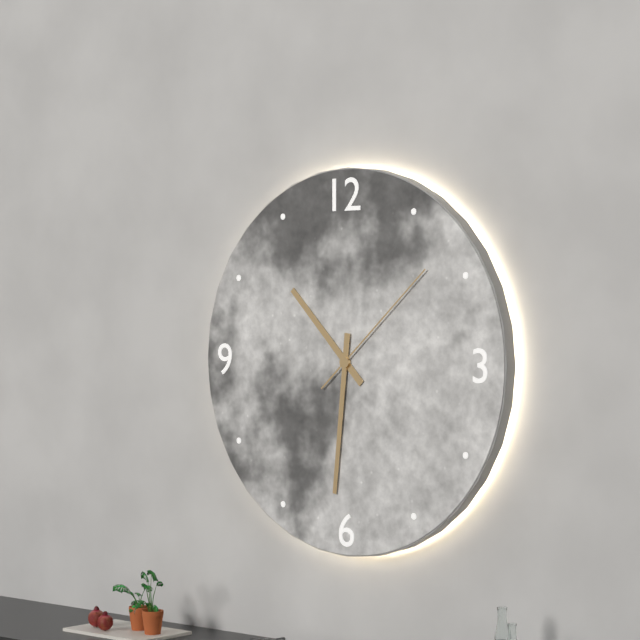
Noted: 10,31,08
